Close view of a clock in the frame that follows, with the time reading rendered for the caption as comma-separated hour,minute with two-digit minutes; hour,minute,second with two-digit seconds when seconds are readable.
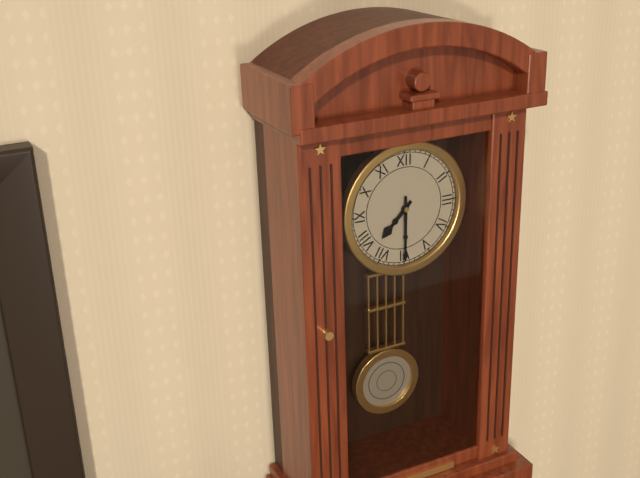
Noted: 7,30
